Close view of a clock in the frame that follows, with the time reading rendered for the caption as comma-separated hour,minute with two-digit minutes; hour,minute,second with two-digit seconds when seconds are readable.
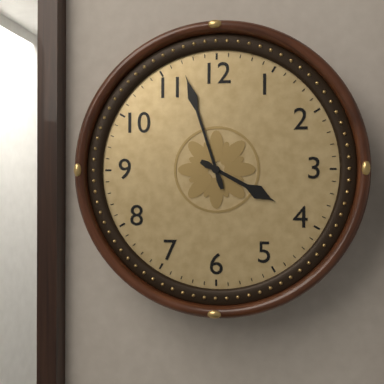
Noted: 3,57
